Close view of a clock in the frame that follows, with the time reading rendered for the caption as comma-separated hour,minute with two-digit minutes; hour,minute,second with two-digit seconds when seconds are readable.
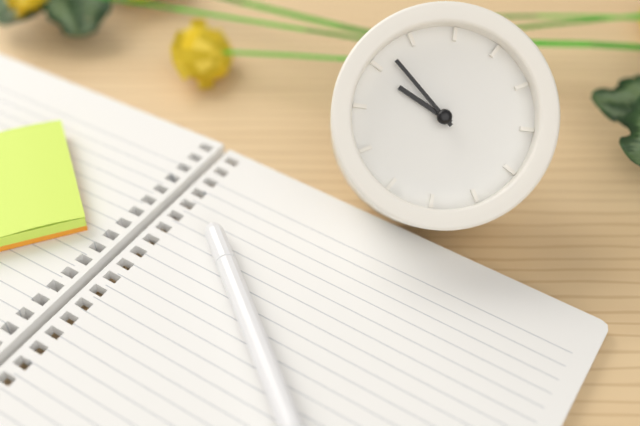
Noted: 9,52
